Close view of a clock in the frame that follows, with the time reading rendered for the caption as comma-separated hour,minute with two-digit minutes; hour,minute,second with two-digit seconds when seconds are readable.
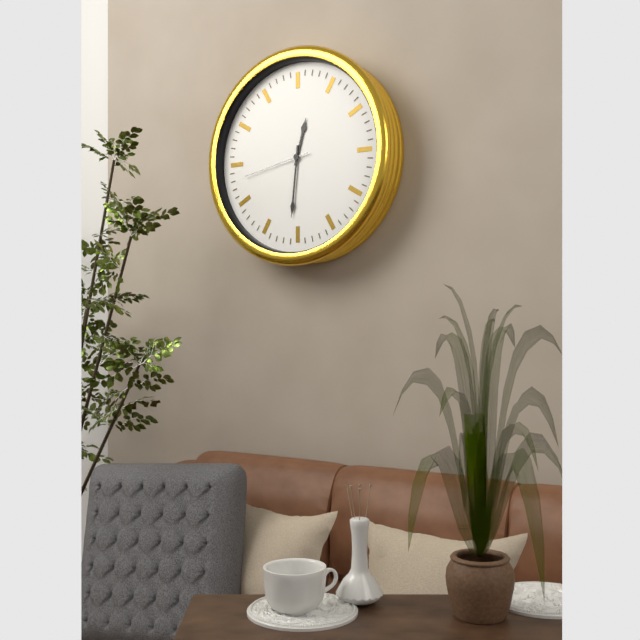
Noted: 12,31,43
